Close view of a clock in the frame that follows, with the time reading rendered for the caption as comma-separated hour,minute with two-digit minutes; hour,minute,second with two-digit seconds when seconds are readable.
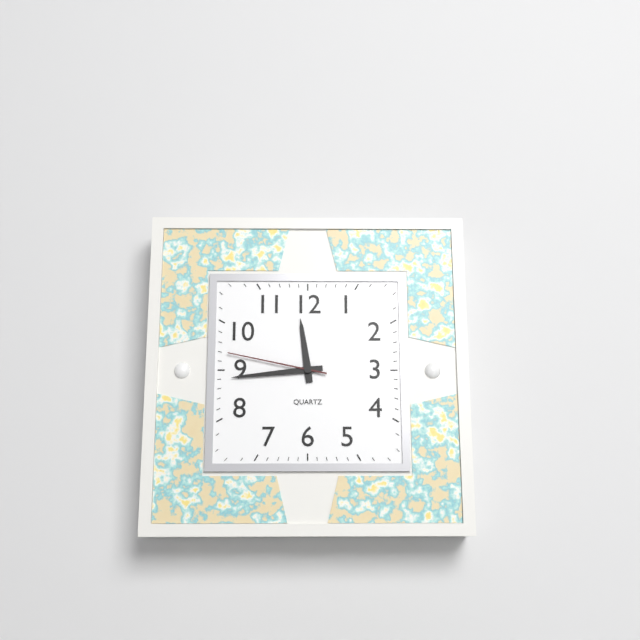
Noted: 11,44,47
